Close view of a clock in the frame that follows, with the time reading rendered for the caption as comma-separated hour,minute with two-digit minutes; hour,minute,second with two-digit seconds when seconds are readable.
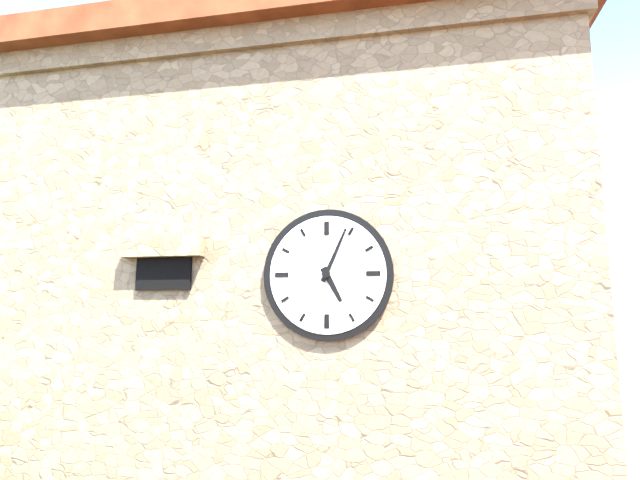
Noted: 5,04
